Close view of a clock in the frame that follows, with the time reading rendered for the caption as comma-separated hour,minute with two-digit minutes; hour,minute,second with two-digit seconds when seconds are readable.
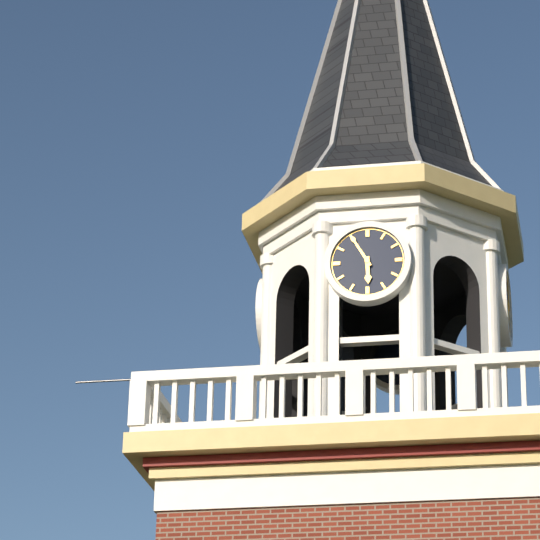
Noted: 5,55
